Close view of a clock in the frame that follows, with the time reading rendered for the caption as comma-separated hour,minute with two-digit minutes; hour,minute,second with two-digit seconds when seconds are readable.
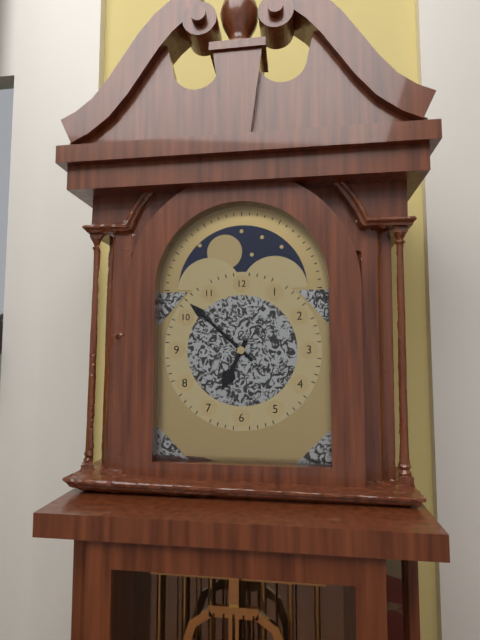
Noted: 6,52
